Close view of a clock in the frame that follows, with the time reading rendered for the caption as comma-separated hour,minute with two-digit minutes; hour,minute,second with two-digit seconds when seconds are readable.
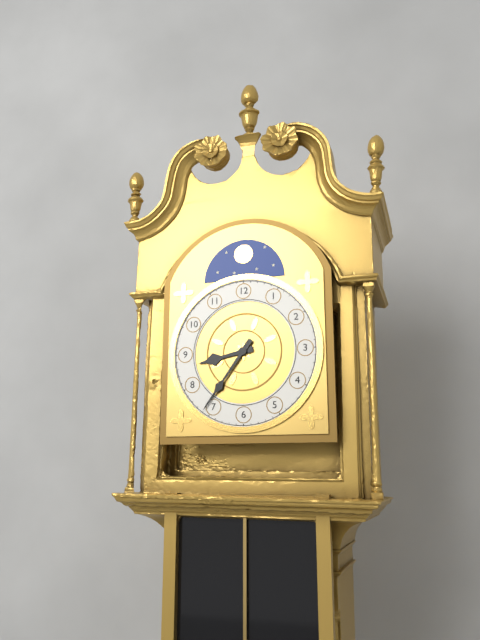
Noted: 8,36
